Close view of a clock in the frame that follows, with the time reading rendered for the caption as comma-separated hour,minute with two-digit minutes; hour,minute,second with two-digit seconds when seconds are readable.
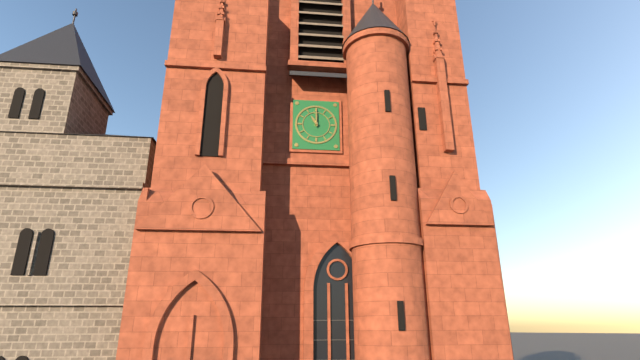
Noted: 11,00
